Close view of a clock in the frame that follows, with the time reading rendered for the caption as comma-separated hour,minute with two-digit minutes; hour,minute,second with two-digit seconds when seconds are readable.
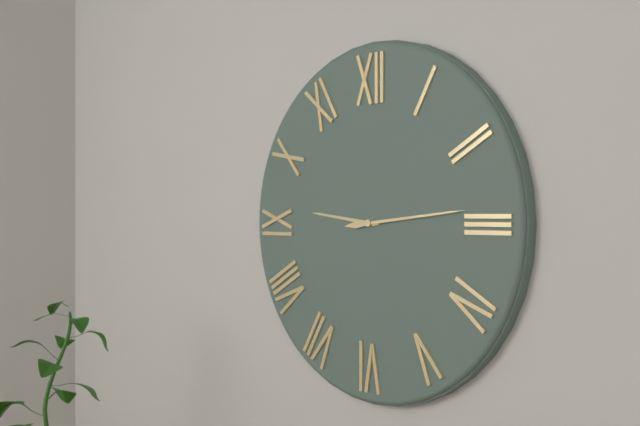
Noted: 9,14
